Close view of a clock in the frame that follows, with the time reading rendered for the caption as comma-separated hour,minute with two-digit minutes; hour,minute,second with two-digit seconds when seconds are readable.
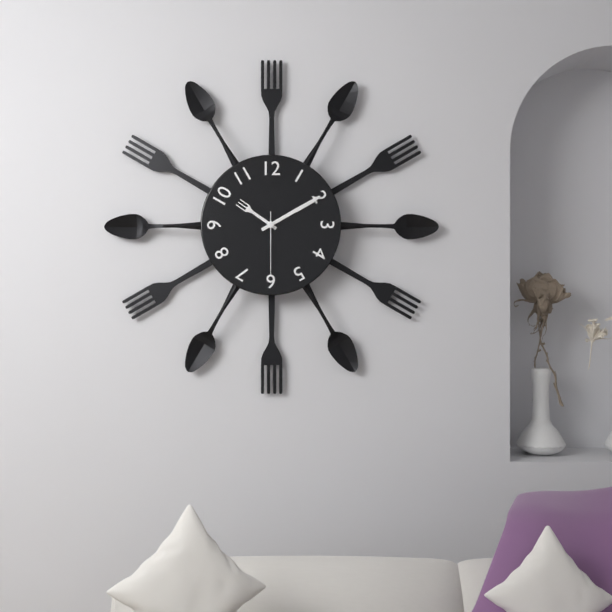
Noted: 10,10,30
